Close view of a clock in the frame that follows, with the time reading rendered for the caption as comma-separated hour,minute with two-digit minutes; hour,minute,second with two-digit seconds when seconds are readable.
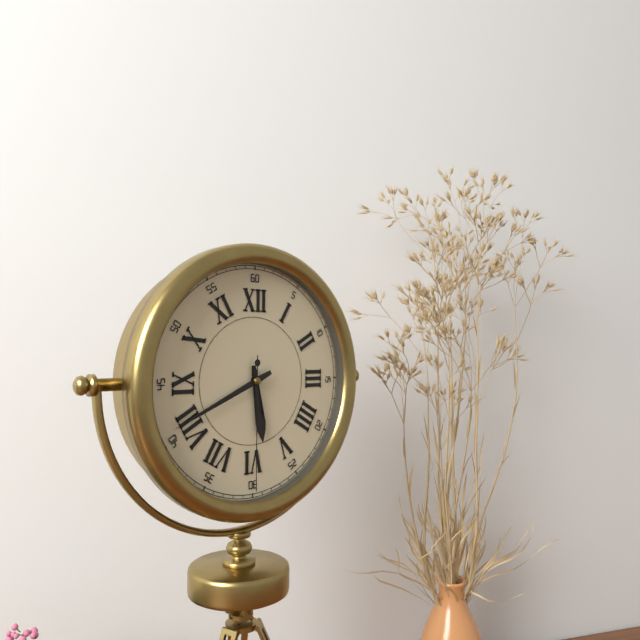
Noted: 5,41,30
